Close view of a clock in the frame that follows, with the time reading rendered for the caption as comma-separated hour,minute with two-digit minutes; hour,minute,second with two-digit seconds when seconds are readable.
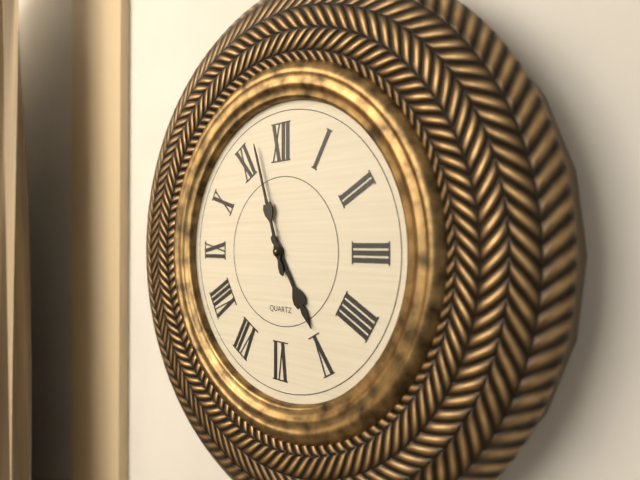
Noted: 4,57
